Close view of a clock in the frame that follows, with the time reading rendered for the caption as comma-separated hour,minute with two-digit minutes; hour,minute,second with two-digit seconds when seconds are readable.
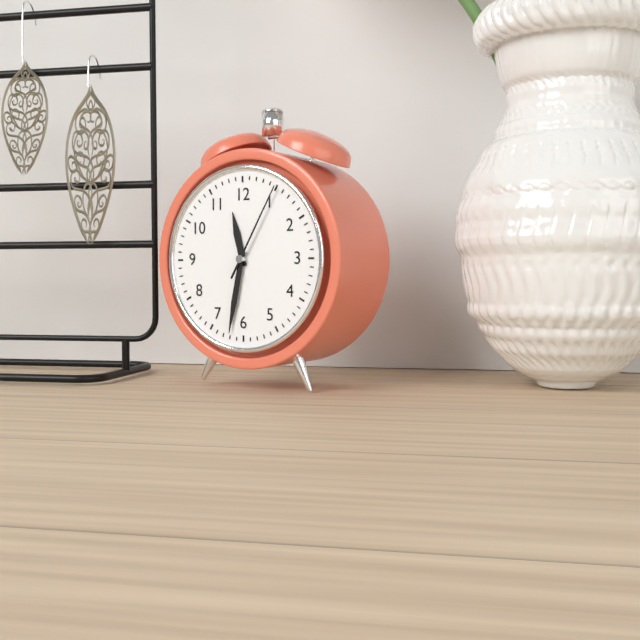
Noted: 11,32,05
